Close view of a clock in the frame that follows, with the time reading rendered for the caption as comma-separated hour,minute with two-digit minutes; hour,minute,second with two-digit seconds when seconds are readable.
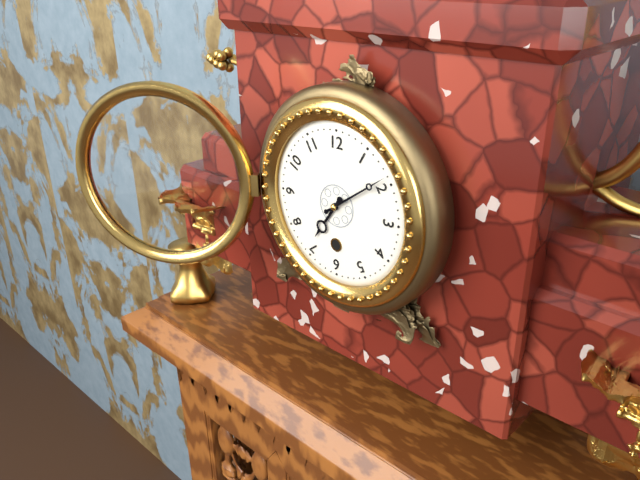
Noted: 7,09
